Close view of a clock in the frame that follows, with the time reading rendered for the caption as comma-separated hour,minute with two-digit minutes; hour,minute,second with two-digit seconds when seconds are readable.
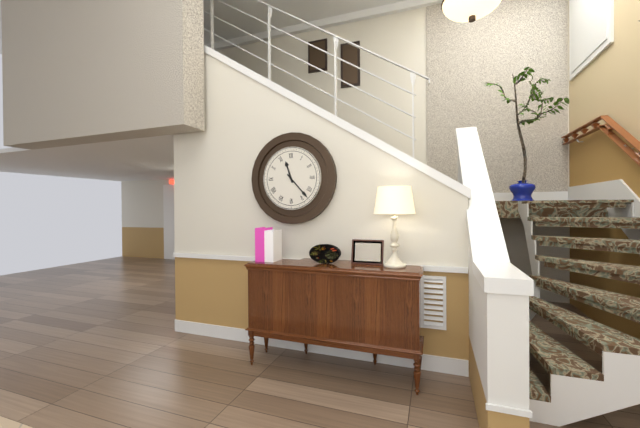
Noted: 11,23
